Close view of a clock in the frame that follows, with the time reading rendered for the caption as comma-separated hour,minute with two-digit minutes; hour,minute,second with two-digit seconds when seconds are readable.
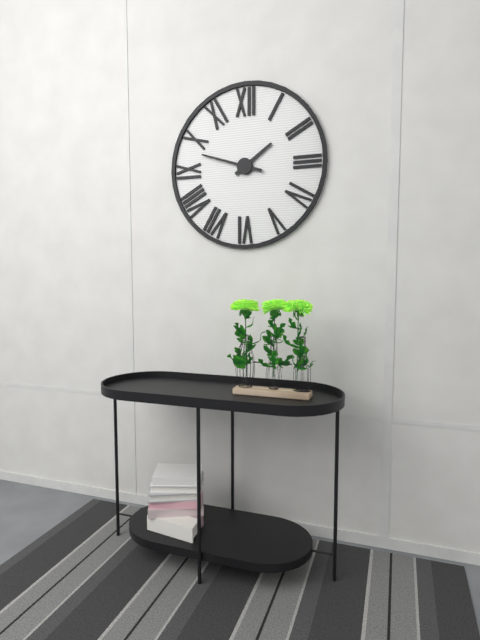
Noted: 1,48
